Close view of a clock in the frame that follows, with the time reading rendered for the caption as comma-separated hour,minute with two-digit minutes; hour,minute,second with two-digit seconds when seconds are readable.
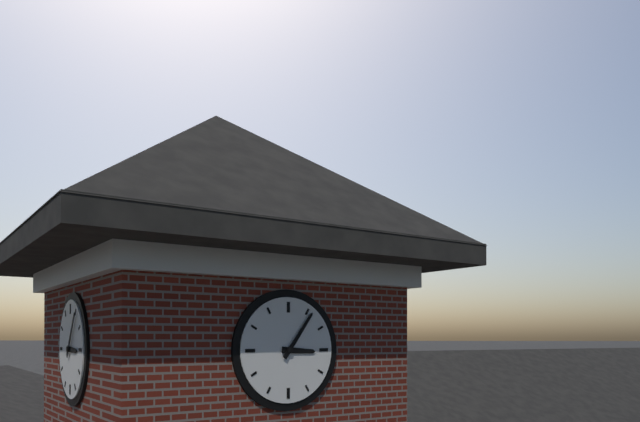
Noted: 3,06
